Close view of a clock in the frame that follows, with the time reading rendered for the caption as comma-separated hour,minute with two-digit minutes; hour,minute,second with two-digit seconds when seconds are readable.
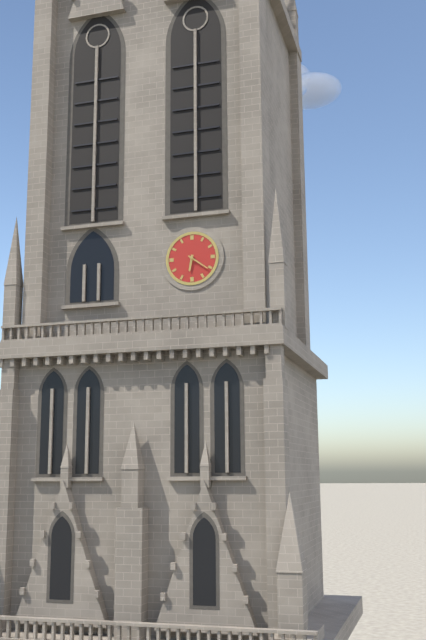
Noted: 6,21
